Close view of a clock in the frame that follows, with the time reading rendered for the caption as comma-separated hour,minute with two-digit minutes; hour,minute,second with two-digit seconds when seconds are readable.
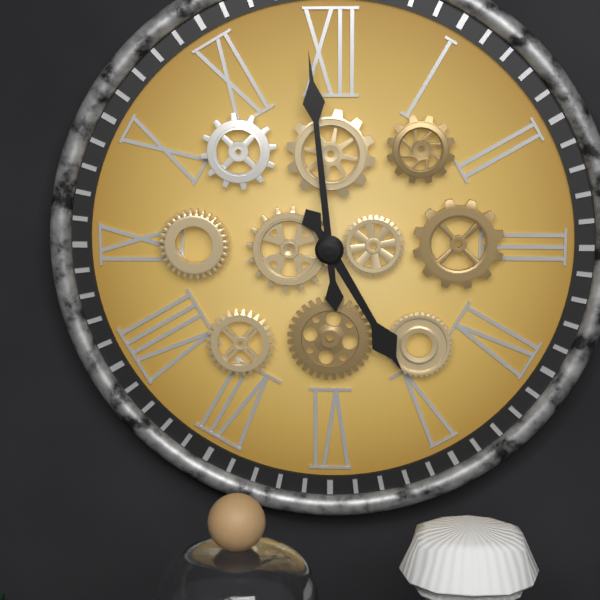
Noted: 4,59
